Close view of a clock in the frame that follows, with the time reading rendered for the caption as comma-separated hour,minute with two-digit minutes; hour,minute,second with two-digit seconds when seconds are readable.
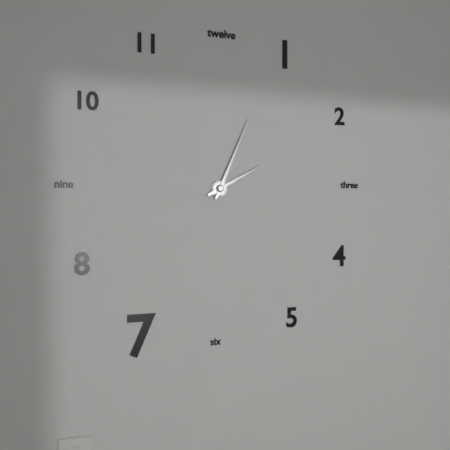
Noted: 2,04
